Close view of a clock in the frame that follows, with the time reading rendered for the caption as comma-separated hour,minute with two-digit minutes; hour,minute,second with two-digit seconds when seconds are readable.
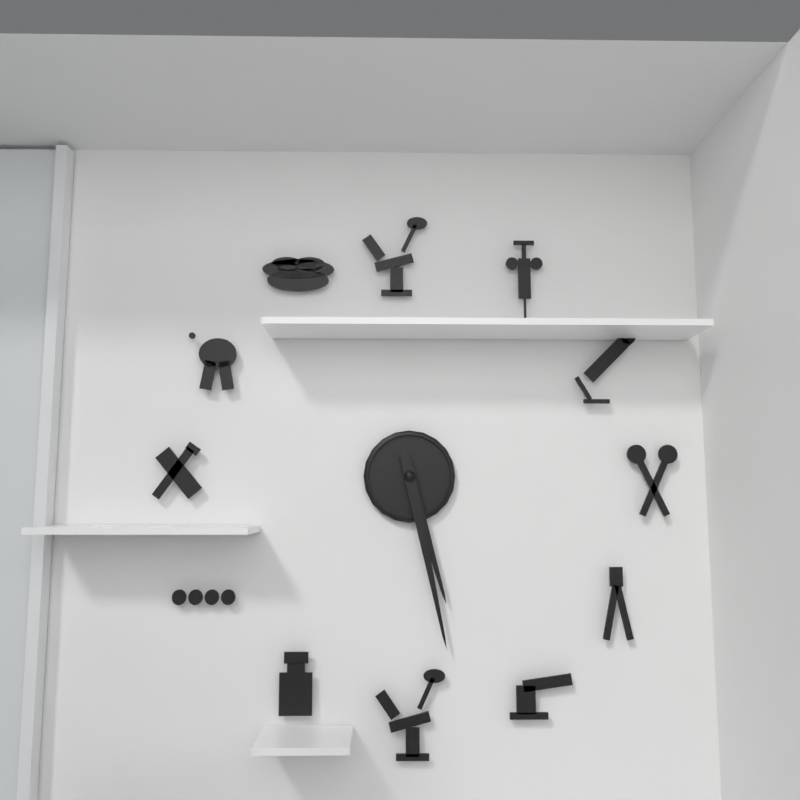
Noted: 5,28
